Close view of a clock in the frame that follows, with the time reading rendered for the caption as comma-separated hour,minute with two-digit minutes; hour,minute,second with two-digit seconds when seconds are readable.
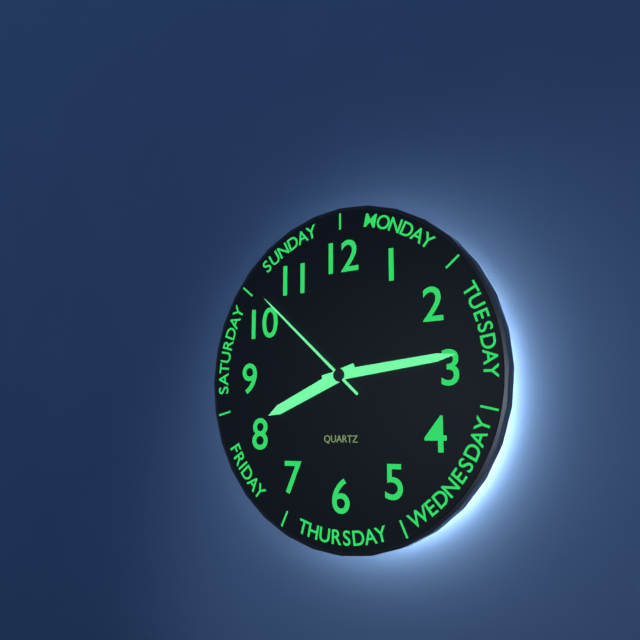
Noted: 8,14,52
